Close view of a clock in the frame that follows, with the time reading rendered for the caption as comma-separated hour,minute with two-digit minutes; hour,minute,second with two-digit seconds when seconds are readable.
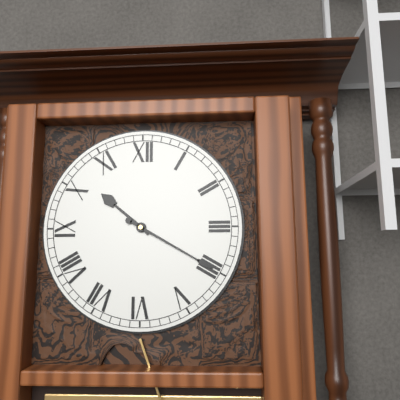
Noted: 10,20
